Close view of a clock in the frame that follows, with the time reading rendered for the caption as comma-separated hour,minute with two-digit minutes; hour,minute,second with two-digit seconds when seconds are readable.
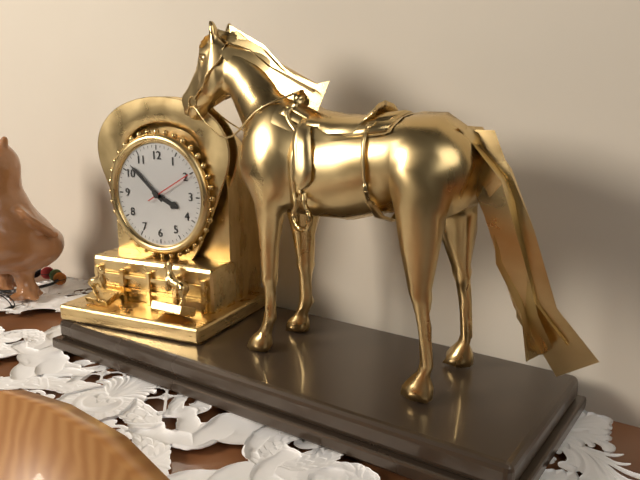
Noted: 3,52
